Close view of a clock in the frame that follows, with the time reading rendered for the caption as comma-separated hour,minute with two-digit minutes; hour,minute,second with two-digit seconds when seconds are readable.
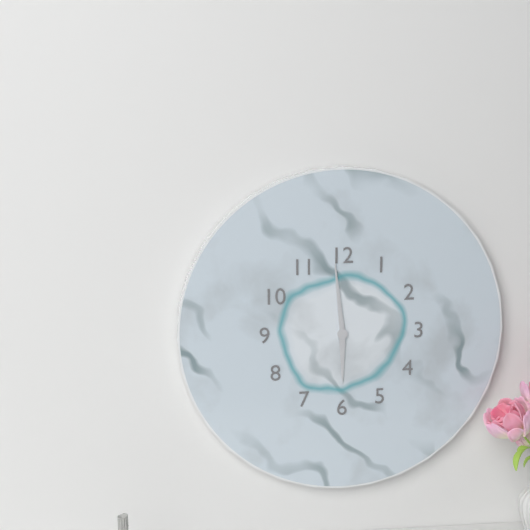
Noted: 5,59
